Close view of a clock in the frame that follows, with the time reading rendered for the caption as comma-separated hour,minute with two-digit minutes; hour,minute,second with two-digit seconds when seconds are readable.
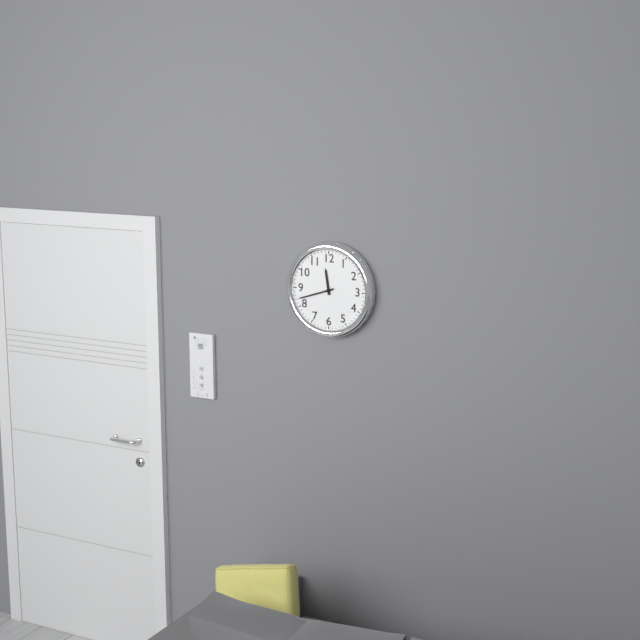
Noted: 11,42
